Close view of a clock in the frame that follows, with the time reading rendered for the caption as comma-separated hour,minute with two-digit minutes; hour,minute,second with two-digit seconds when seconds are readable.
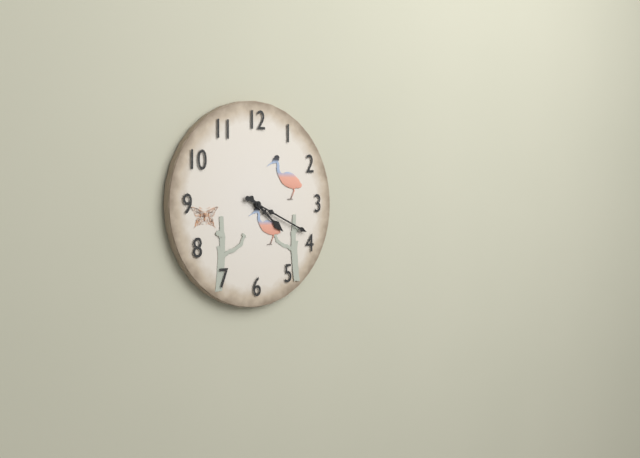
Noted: 4,19
